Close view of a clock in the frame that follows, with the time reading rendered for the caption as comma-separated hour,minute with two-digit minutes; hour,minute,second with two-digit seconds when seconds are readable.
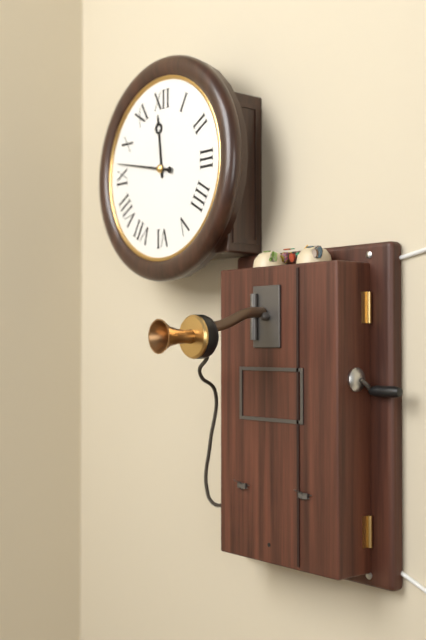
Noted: 11,47
